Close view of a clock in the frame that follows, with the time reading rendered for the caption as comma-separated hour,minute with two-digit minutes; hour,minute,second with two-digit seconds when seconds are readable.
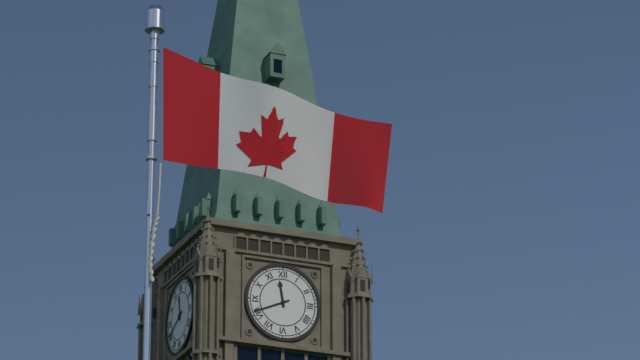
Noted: 11,41
